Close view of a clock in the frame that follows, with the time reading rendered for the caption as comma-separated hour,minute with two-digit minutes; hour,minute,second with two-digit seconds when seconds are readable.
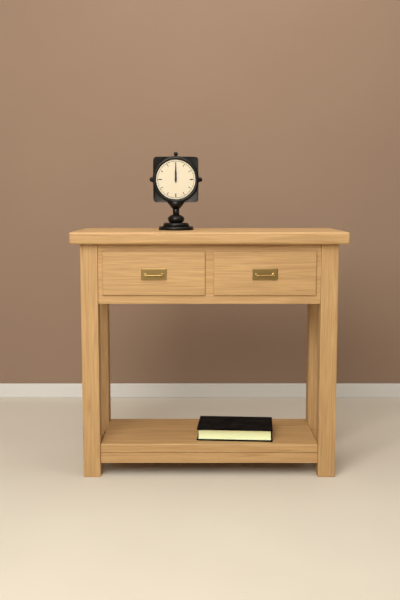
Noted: 12,00
